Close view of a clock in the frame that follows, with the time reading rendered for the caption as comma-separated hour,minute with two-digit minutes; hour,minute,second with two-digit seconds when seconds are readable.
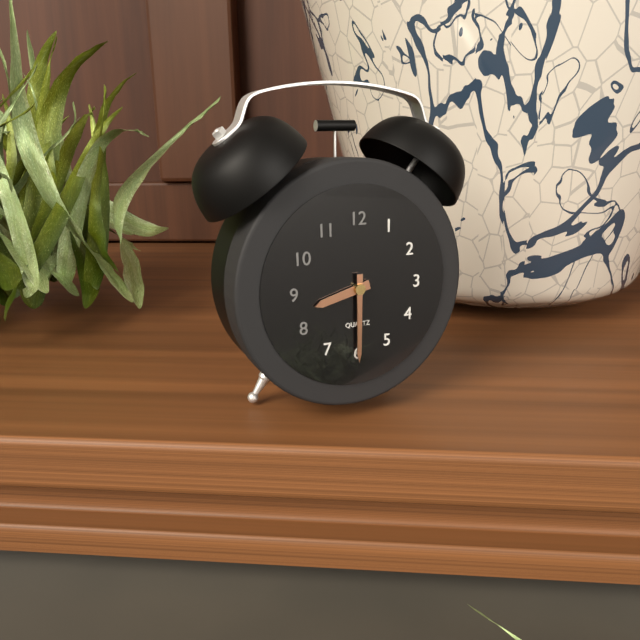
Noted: 8,30
